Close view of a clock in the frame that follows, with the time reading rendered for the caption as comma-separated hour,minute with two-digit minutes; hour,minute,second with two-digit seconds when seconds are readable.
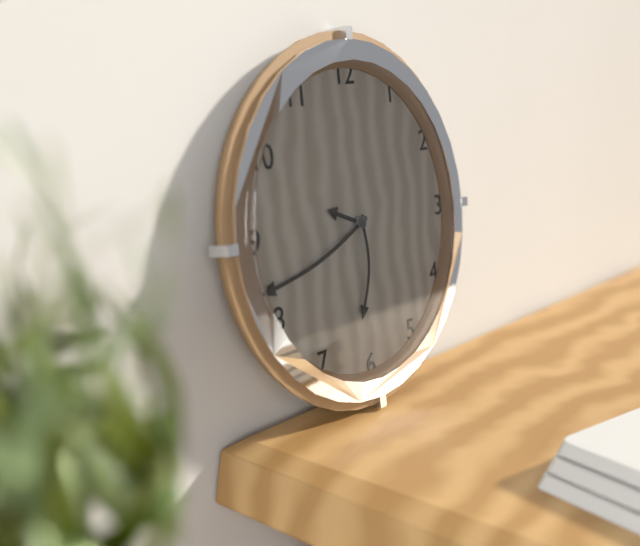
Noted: 9,42,31
